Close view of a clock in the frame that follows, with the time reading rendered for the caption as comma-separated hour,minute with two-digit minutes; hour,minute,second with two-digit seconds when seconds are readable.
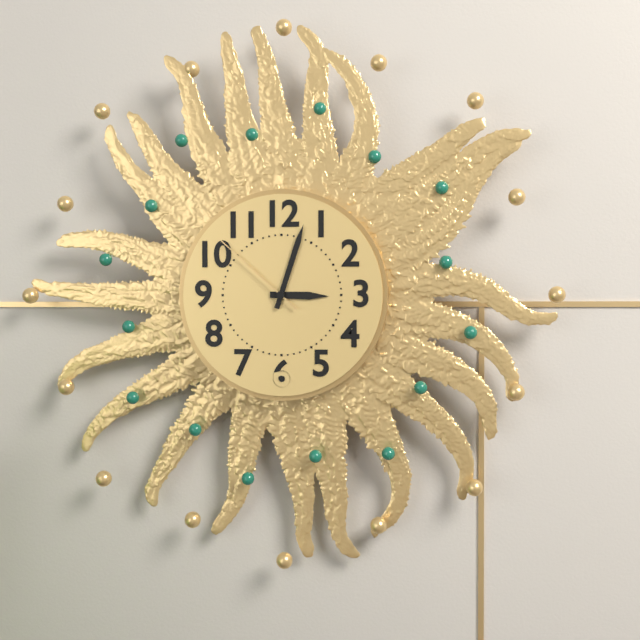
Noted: 3,03,52
